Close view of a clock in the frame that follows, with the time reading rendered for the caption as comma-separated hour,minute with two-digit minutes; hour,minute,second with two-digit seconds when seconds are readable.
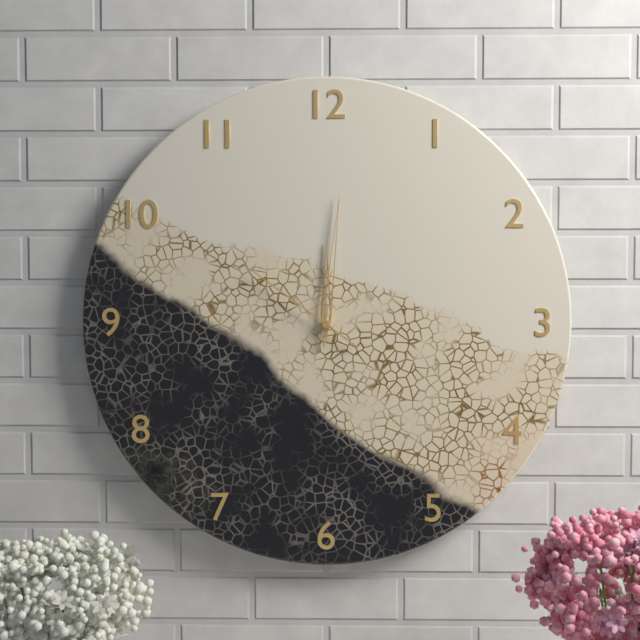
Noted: 12,01,51
